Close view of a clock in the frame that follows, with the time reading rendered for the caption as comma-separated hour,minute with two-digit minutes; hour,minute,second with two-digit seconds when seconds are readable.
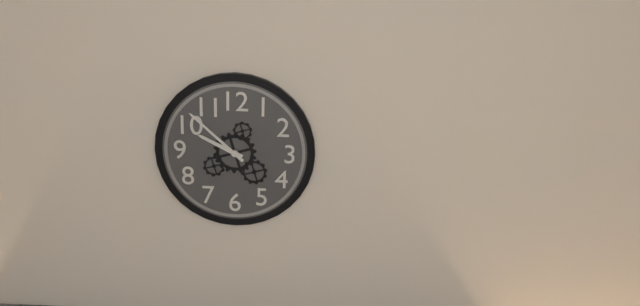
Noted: 9,52
